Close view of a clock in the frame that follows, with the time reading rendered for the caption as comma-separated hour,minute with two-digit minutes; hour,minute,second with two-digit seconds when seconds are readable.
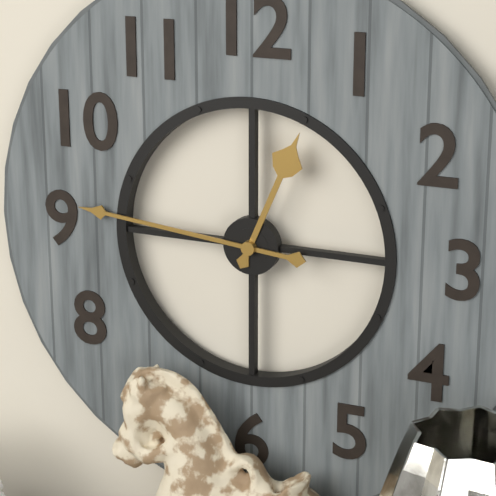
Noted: 12,46
